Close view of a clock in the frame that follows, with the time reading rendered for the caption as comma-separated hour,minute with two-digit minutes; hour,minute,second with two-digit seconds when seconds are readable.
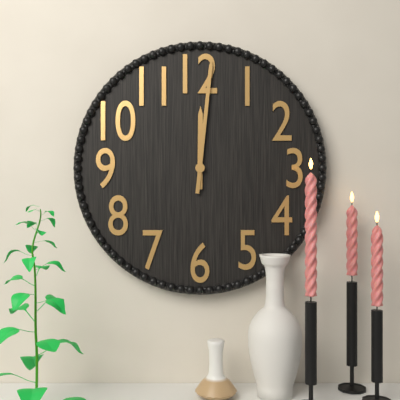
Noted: 12,01
